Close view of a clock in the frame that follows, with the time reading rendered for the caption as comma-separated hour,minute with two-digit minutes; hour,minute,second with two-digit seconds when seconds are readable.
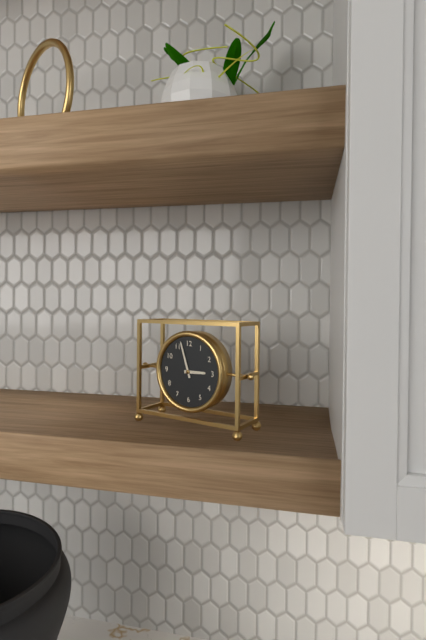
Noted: 2,57
